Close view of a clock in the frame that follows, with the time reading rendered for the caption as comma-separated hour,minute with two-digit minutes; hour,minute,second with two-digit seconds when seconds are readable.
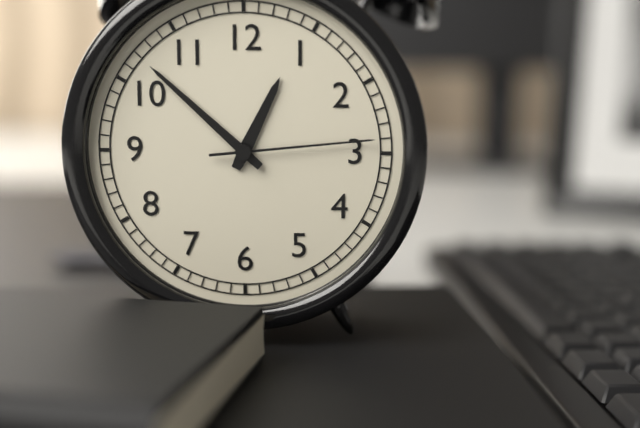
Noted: 12,52,14
